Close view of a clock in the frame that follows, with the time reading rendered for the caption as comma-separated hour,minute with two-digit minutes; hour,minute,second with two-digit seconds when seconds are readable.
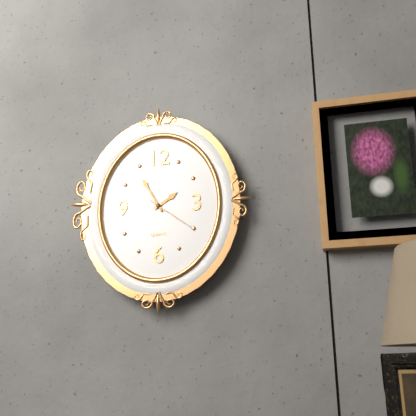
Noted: 1,55
